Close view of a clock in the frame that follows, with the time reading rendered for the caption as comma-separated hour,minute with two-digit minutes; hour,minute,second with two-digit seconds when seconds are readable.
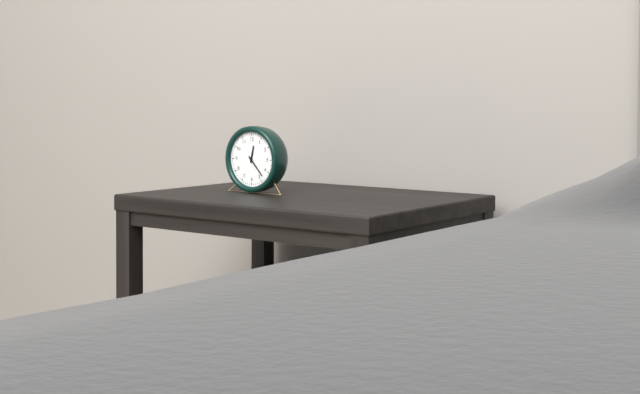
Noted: 12,23
